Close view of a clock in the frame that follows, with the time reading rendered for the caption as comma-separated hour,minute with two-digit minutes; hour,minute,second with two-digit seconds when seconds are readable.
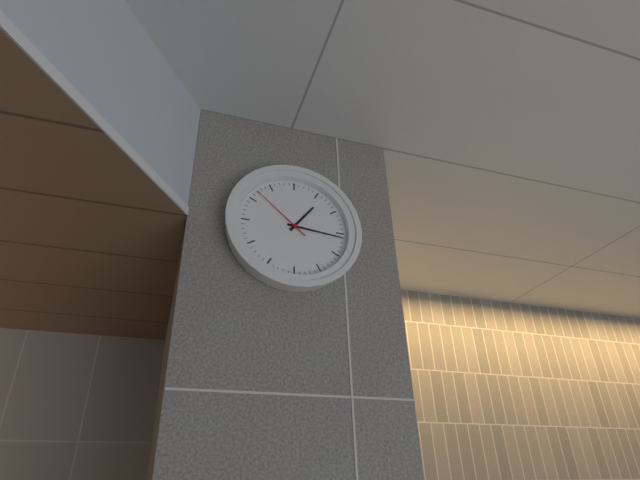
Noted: 1,16,52
